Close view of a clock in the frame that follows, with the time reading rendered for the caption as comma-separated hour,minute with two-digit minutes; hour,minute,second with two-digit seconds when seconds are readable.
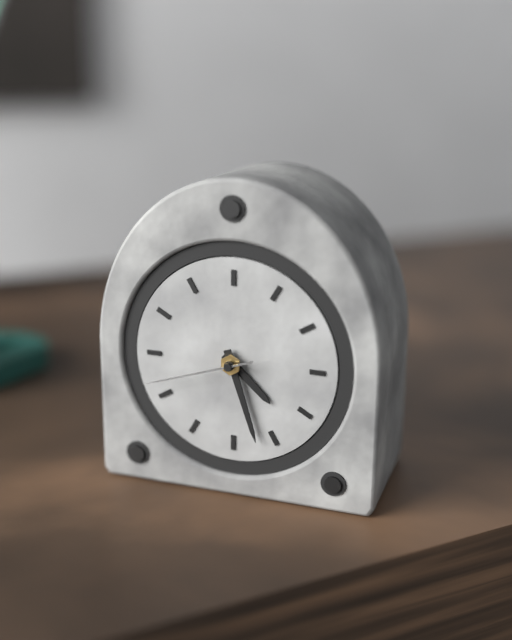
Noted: 4,27,42
